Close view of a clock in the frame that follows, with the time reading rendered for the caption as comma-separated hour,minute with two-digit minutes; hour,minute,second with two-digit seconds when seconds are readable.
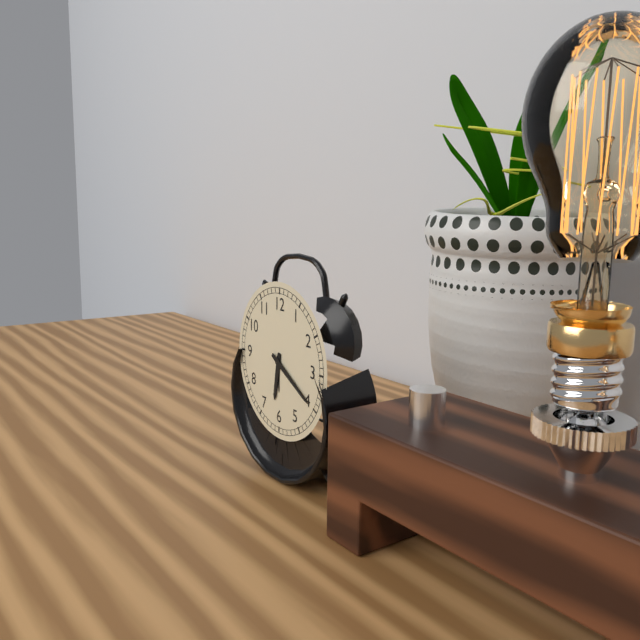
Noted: 6,20
